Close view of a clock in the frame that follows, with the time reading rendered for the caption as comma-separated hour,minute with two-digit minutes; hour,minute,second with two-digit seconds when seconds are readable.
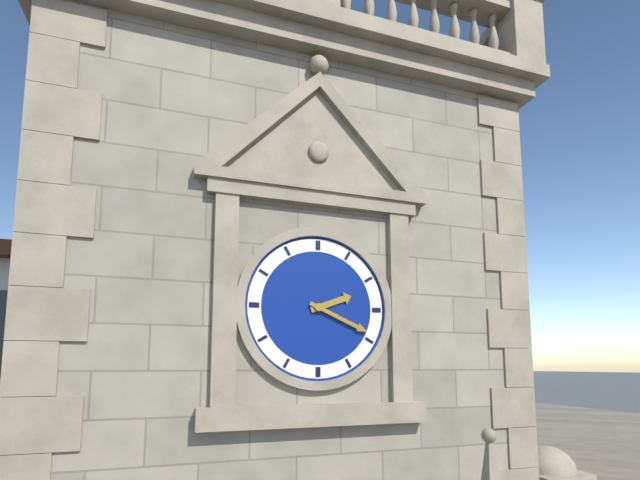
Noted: 2,19
